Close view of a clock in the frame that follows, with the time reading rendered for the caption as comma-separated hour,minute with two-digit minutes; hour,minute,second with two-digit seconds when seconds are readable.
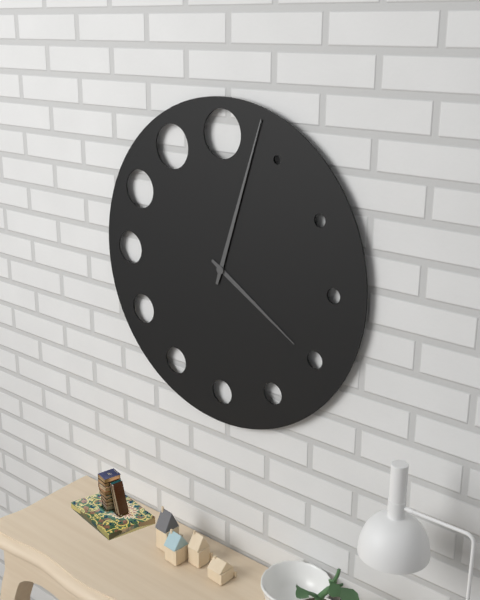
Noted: 4,03
